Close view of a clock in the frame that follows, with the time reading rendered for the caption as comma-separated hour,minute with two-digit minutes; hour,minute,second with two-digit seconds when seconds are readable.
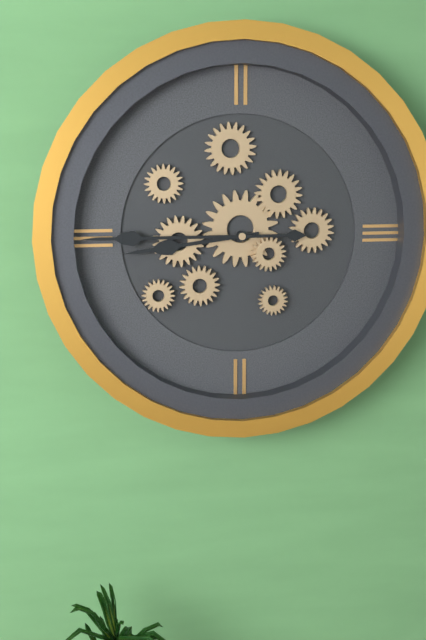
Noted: 8,45
